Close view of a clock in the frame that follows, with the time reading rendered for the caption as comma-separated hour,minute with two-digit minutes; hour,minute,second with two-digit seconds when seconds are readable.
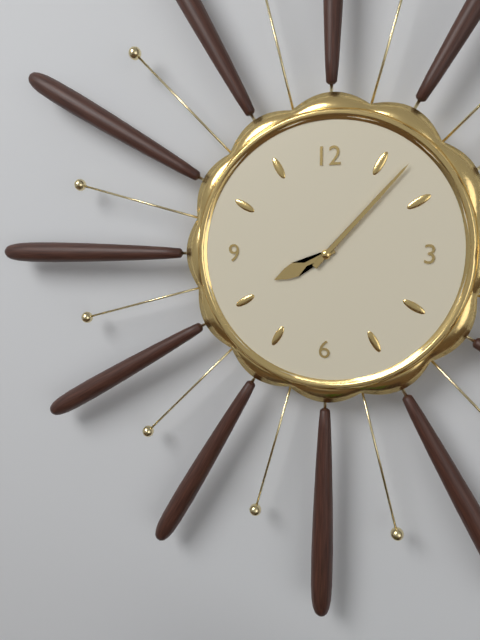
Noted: 8,07
